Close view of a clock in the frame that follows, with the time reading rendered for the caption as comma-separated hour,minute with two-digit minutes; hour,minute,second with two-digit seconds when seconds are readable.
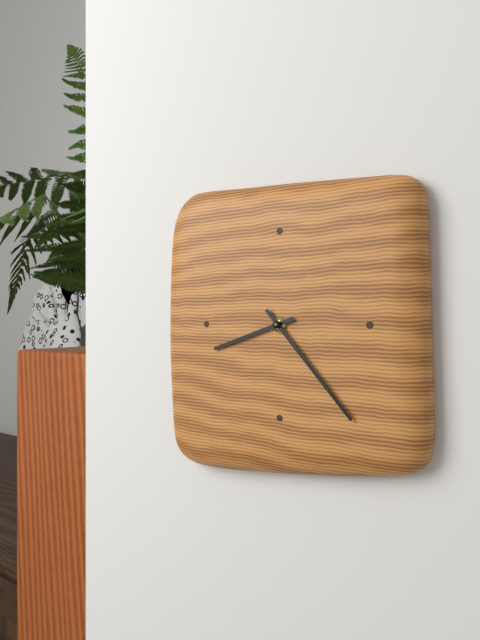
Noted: 8,23
